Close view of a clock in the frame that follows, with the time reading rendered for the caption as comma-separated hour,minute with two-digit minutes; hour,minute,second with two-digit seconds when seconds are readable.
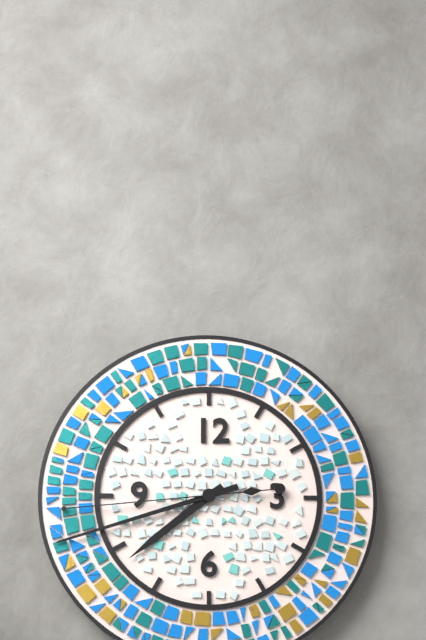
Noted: 7,42,44
